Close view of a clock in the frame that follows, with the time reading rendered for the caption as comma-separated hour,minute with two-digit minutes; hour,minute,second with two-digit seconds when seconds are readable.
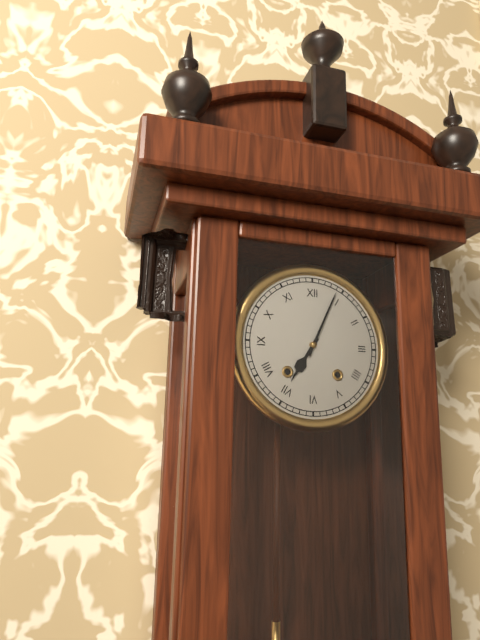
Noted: 7,04
